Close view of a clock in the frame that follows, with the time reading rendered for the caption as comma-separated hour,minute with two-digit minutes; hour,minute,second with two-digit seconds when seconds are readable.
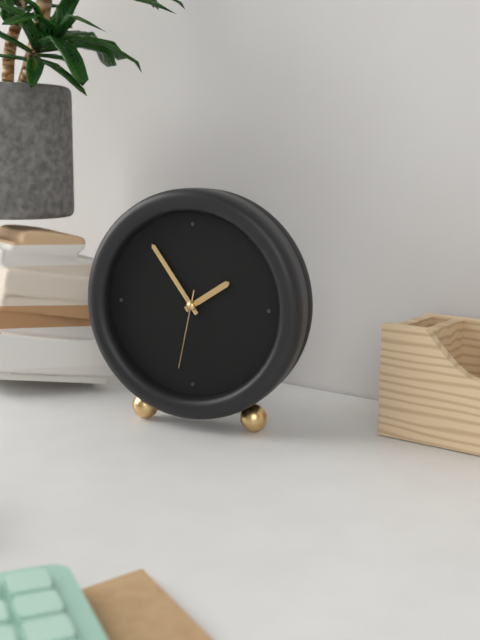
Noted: 1,54,32
